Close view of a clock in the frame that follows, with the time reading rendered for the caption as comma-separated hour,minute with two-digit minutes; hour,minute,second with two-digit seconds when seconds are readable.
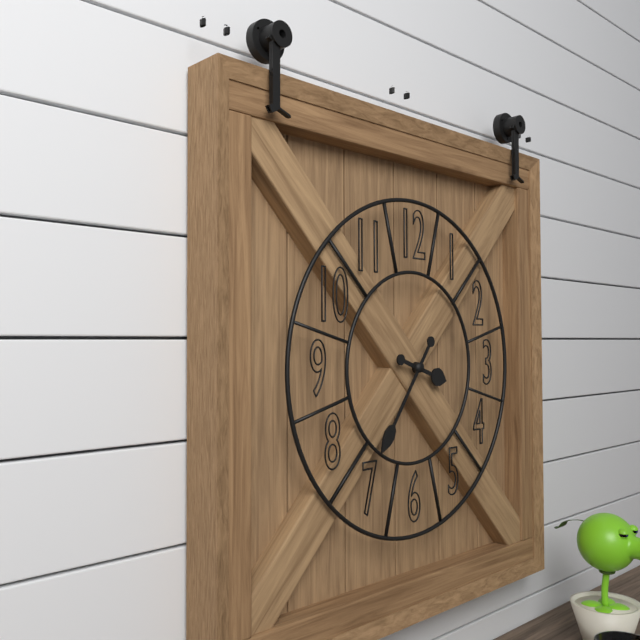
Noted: 3,36
